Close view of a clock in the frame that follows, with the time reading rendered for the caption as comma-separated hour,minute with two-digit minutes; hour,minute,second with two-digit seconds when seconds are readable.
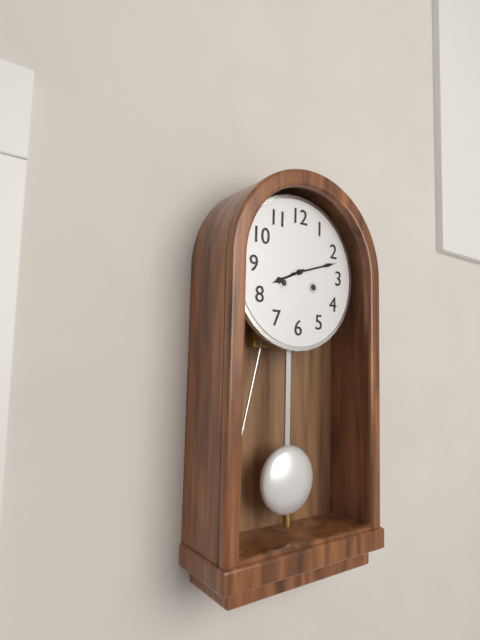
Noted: 8,12
